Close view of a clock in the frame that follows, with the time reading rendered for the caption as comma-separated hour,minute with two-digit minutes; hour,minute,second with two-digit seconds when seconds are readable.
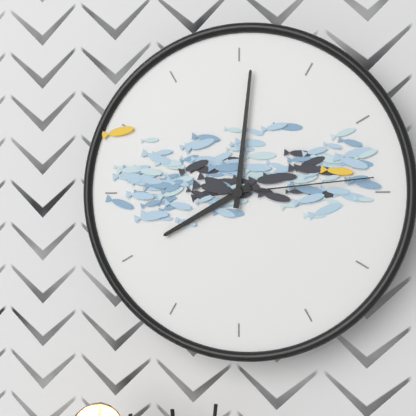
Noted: 8,01,14
